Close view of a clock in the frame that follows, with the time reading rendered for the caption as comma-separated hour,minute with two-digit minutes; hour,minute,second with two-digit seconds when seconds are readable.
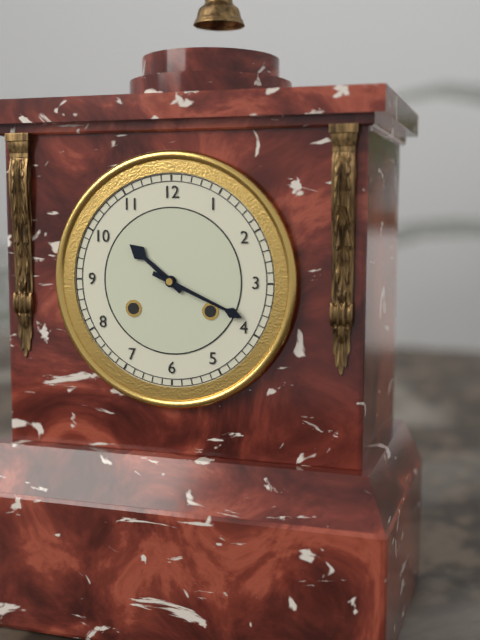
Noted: 10,19
